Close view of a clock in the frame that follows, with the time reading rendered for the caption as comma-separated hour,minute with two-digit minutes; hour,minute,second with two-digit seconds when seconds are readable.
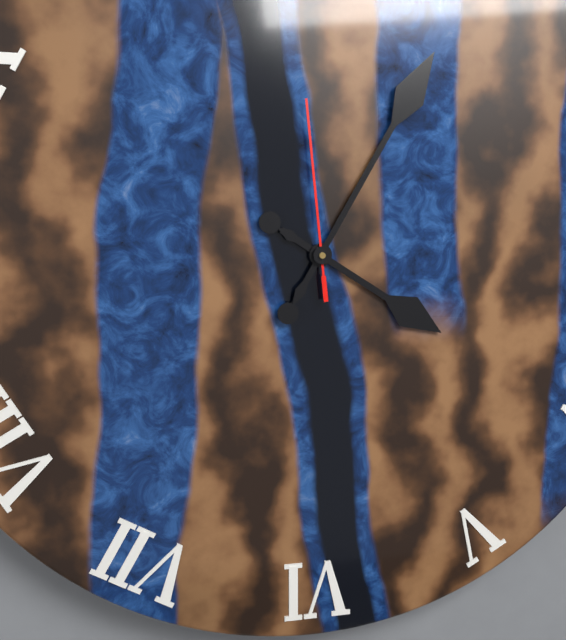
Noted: 4,05,59
